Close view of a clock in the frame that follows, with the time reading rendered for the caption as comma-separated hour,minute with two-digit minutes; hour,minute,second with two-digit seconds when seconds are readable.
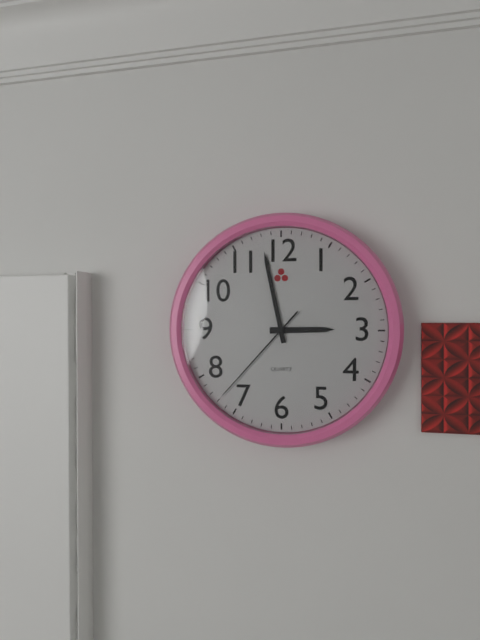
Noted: 2,58,37
